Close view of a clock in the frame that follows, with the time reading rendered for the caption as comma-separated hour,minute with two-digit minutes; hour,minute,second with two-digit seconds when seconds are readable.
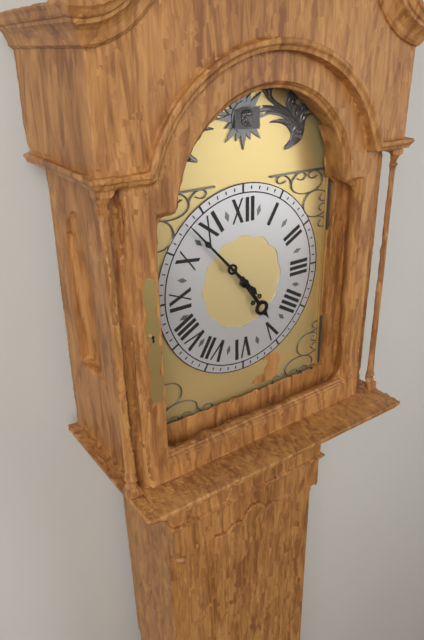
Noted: 4,53
